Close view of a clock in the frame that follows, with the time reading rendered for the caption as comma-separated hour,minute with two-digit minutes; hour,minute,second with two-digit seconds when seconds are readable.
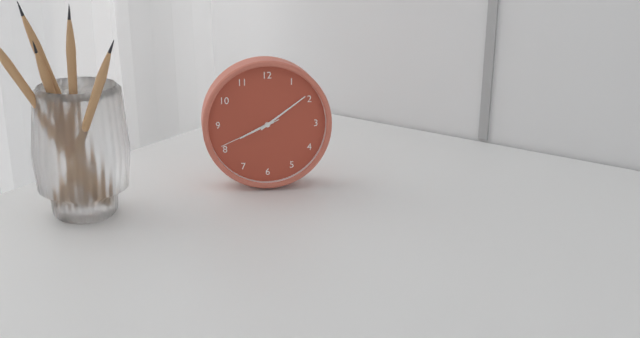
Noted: 8,09,41
